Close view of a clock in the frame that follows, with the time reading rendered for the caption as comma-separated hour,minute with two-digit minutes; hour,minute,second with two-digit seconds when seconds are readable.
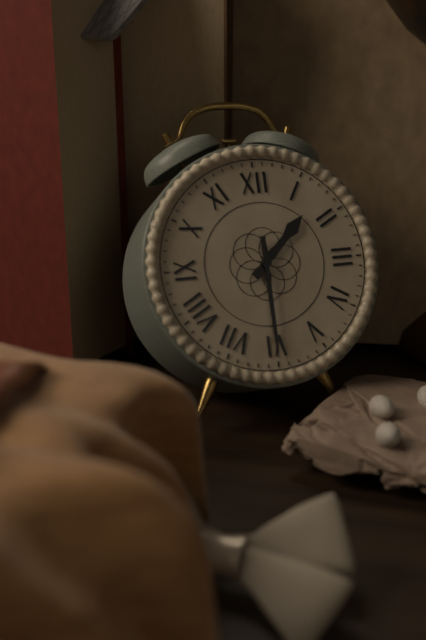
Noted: 1,30
